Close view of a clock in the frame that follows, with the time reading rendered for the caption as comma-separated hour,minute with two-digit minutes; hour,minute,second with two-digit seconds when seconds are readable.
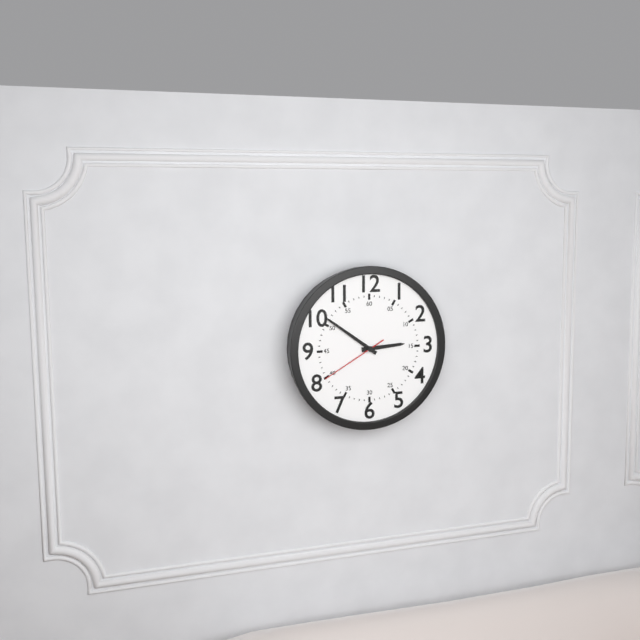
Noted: 2,51,40
